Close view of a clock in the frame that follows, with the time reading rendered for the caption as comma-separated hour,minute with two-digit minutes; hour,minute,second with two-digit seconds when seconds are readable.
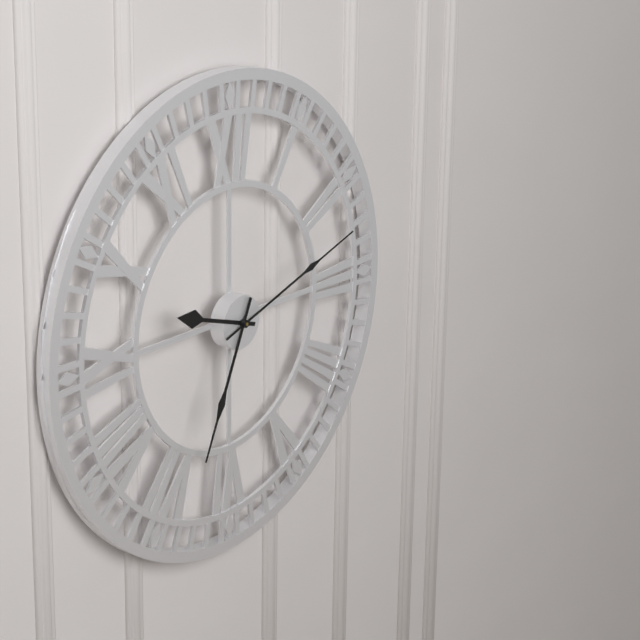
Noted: 9,34,12
